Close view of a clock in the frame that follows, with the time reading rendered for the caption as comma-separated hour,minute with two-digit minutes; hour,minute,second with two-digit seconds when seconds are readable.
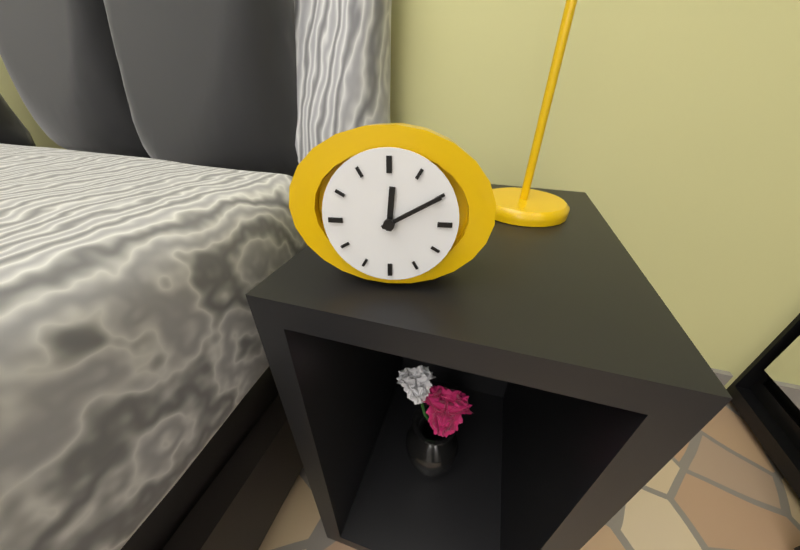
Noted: 12,10
